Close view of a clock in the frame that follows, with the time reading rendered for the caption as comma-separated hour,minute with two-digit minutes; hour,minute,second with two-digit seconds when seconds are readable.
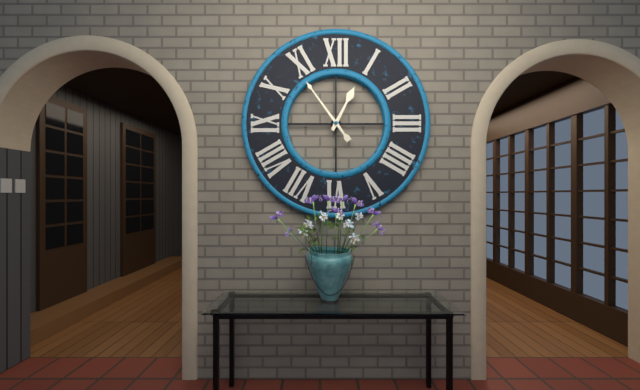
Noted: 12,54
